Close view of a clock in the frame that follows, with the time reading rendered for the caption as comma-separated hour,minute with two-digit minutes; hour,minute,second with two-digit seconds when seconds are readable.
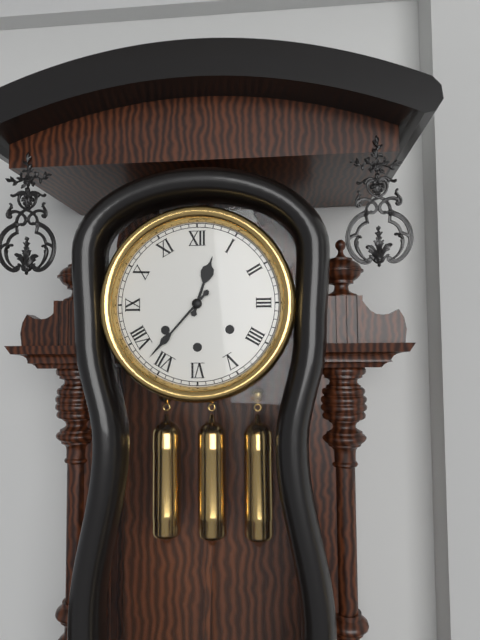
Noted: 12,37
